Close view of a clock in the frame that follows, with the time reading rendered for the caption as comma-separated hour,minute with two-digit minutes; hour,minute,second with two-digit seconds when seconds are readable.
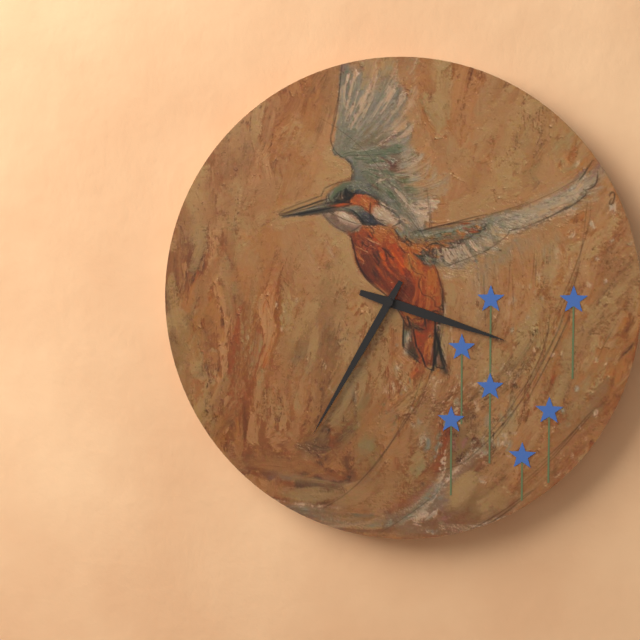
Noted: 3,35
